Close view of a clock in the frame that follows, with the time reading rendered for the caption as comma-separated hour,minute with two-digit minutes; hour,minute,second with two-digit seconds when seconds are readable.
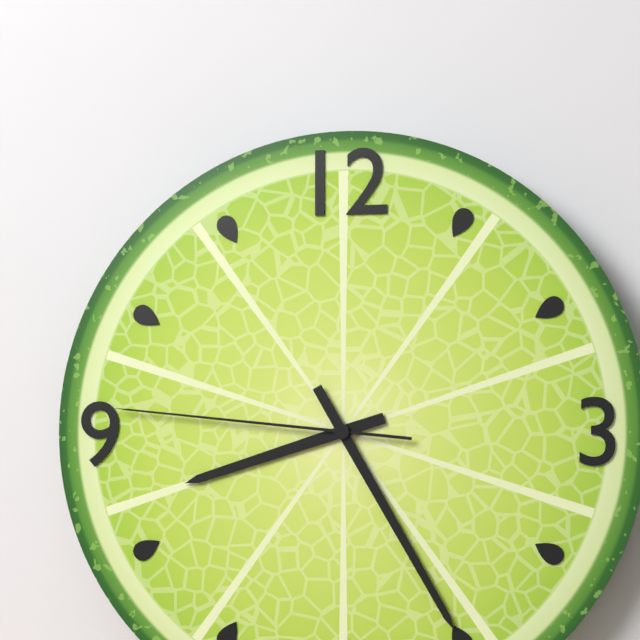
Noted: 8,25,46
